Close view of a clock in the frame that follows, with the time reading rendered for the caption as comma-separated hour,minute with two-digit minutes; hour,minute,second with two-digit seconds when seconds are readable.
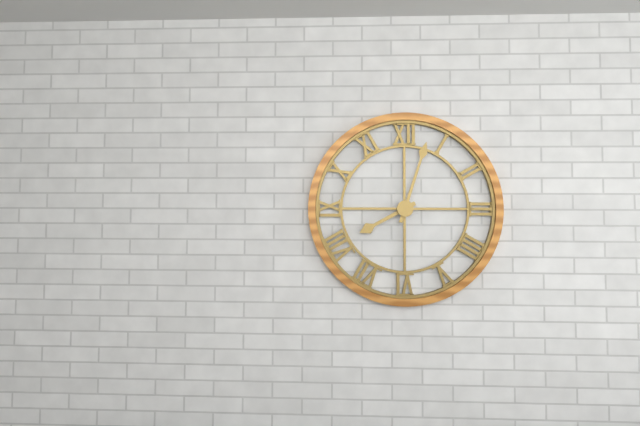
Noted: 8,03
